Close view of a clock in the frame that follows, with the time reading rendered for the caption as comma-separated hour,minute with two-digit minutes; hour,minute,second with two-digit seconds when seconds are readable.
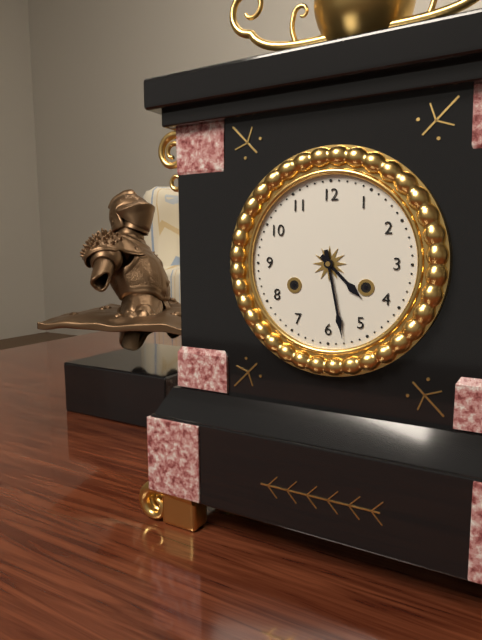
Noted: 4,28
